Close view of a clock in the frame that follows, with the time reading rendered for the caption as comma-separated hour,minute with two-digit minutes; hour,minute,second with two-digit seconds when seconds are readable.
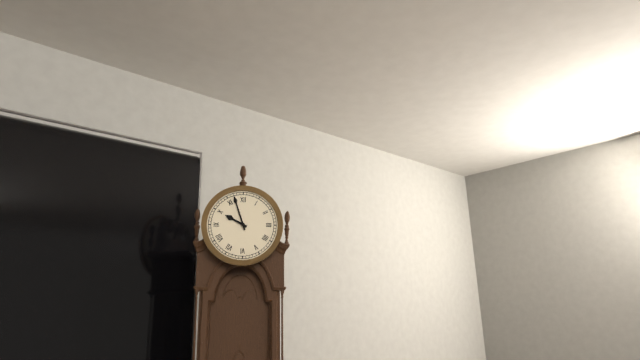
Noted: 9,57
